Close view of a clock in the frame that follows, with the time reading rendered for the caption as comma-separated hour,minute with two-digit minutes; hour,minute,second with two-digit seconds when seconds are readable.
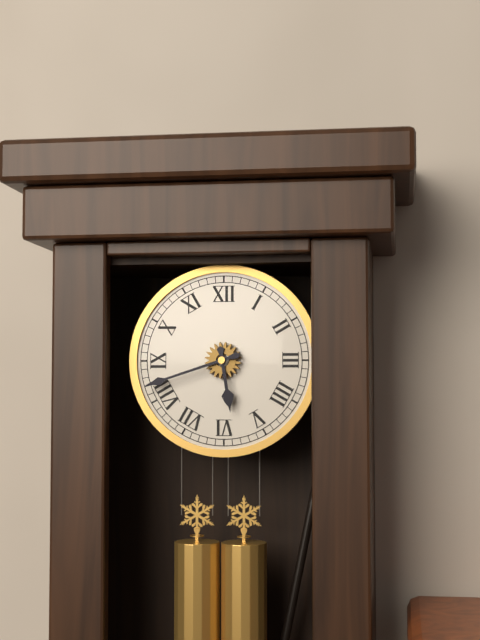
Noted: 5,42
